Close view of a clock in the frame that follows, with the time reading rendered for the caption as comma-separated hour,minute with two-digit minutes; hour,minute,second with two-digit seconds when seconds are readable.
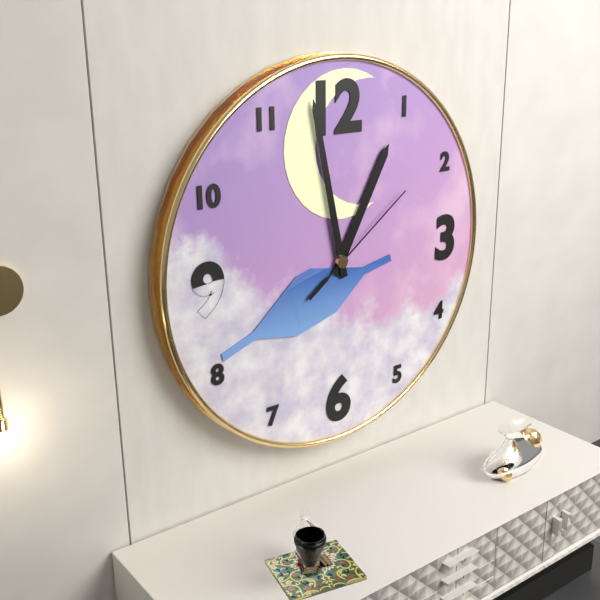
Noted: 12,58,09
